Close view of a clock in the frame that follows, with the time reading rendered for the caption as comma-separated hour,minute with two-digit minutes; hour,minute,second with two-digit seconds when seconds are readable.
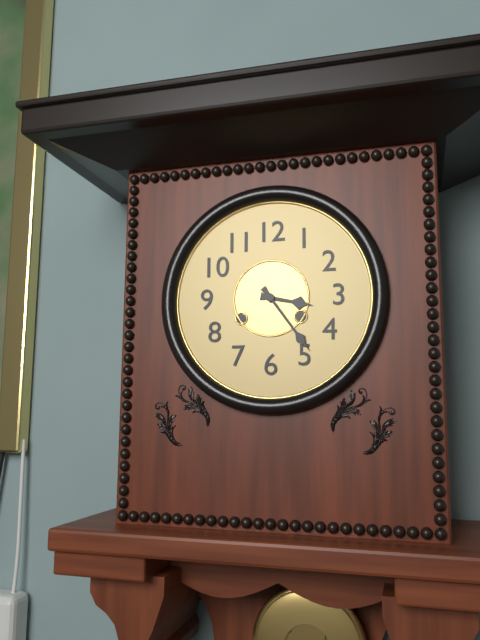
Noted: 3,24
